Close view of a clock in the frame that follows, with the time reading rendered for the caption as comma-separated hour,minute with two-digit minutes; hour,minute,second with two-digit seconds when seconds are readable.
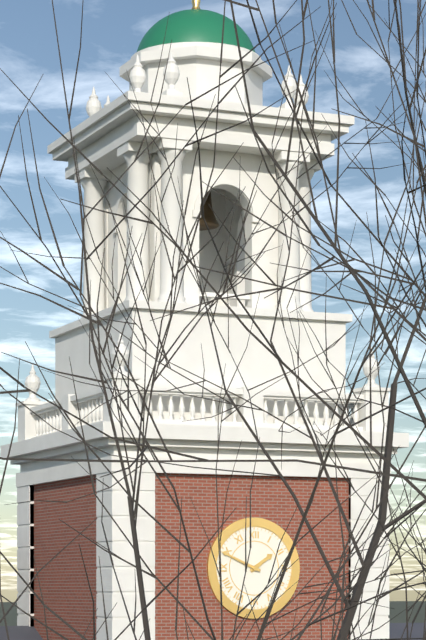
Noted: 1,49
